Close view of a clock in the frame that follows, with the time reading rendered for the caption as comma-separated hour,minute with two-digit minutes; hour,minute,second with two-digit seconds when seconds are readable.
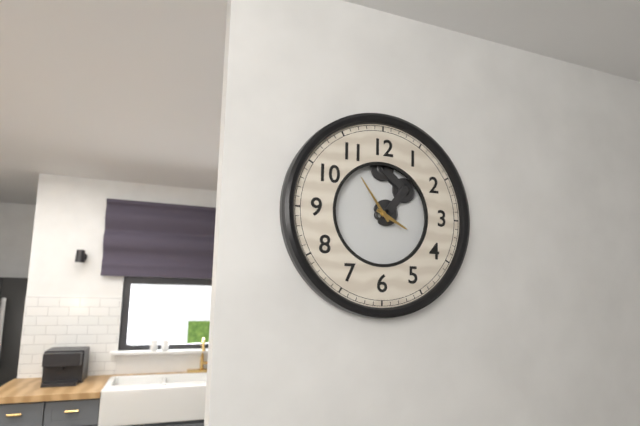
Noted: 3,54
